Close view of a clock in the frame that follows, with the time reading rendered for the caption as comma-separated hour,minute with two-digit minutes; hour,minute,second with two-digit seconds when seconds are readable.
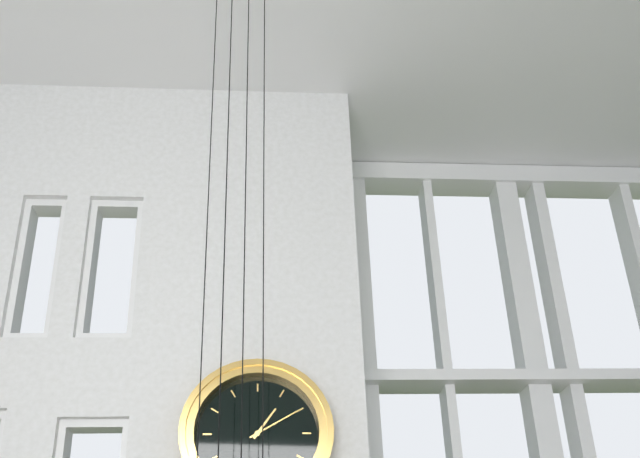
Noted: 1,10
